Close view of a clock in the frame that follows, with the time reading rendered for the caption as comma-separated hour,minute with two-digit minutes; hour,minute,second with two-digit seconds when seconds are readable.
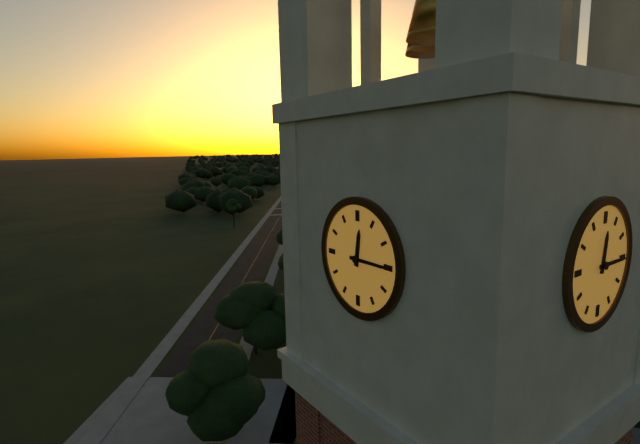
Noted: 12,15
